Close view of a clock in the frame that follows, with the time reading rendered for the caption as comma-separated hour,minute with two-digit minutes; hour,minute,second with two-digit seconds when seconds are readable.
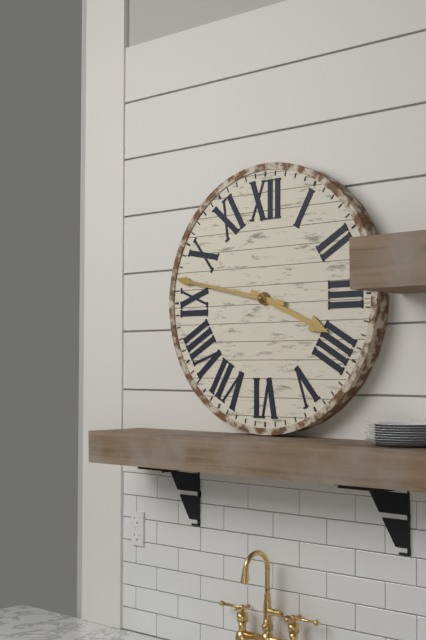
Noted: 3,47
